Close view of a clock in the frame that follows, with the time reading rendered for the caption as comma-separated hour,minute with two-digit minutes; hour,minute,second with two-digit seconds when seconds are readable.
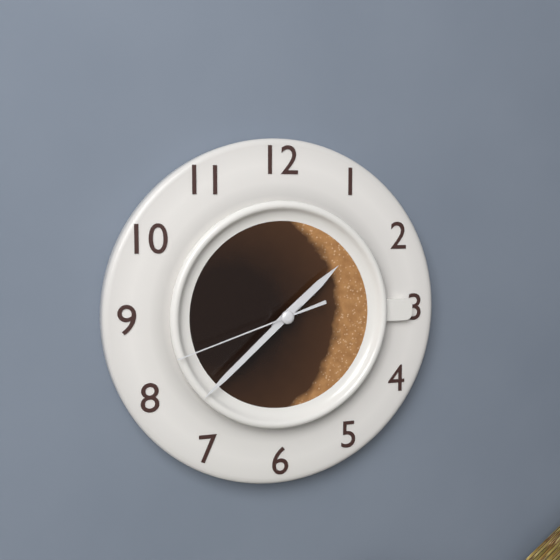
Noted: 1,38,42
